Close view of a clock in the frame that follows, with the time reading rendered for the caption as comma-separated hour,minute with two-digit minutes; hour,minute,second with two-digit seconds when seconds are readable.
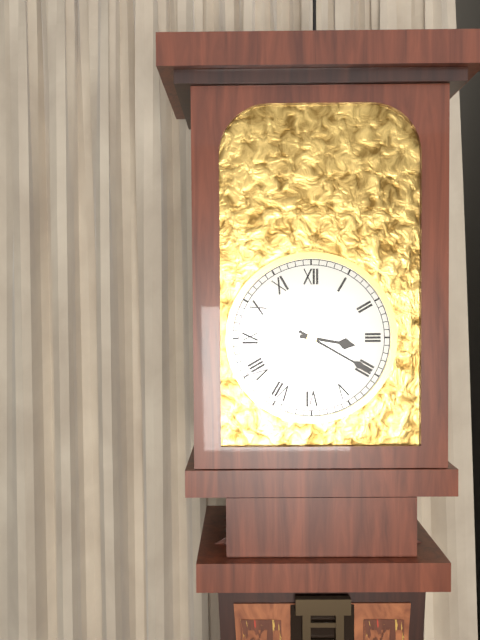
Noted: 3,20
